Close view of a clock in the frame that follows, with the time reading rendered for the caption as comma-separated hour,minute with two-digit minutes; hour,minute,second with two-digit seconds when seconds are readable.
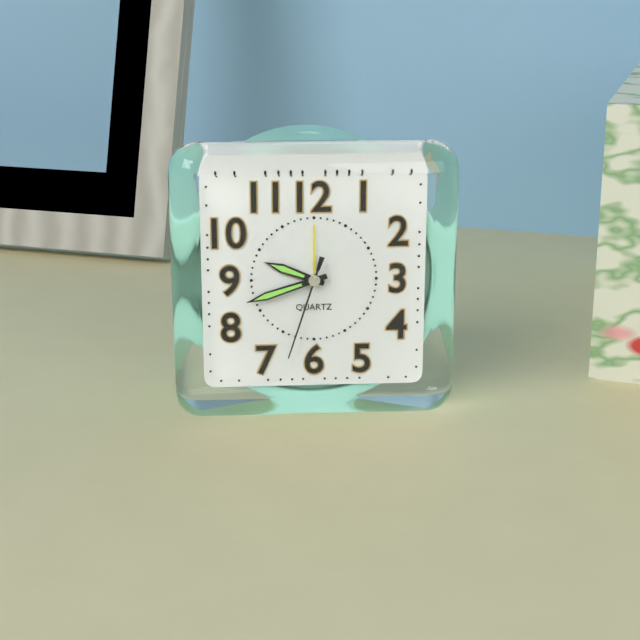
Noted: 9,42,33
